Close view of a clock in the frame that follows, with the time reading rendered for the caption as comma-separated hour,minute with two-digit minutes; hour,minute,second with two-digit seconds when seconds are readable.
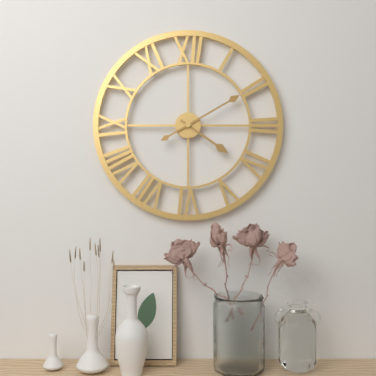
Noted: 4,10
